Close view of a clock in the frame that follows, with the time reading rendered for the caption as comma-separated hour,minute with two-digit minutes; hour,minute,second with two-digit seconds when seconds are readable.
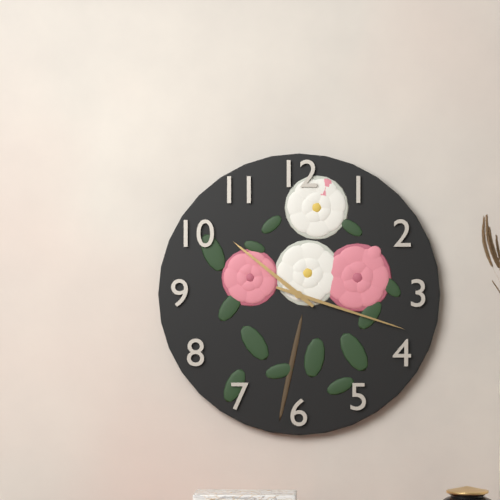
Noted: 10,18
